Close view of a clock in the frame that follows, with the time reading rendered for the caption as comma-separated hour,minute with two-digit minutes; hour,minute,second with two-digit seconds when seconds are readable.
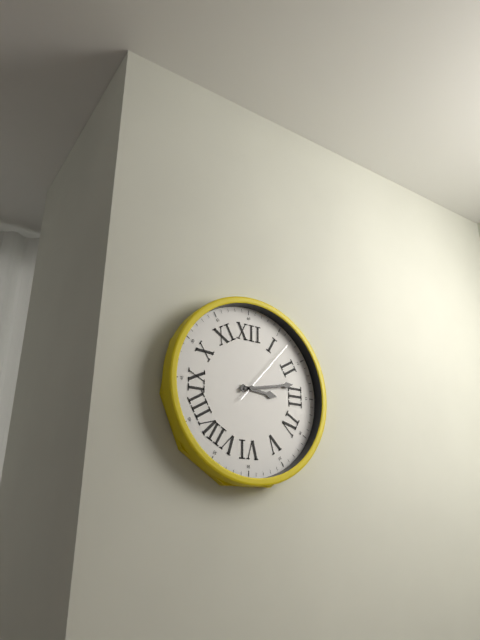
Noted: 3,13,07
